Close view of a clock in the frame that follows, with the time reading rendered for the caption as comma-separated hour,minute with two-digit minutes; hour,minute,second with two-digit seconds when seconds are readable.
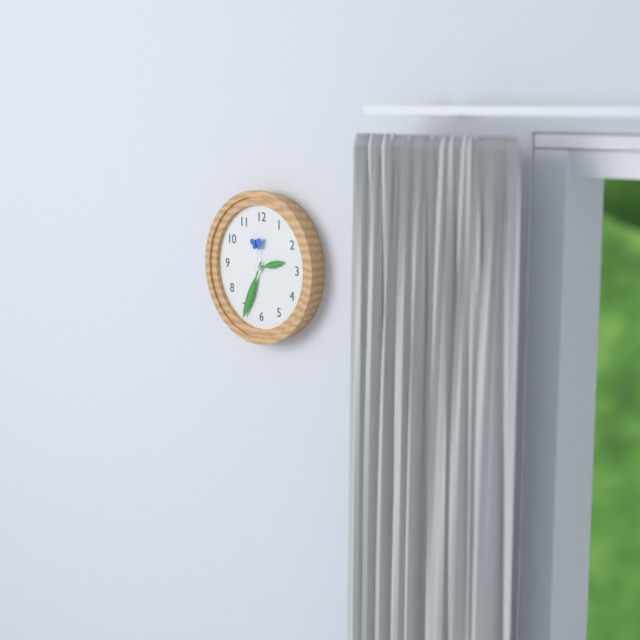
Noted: 2,34
